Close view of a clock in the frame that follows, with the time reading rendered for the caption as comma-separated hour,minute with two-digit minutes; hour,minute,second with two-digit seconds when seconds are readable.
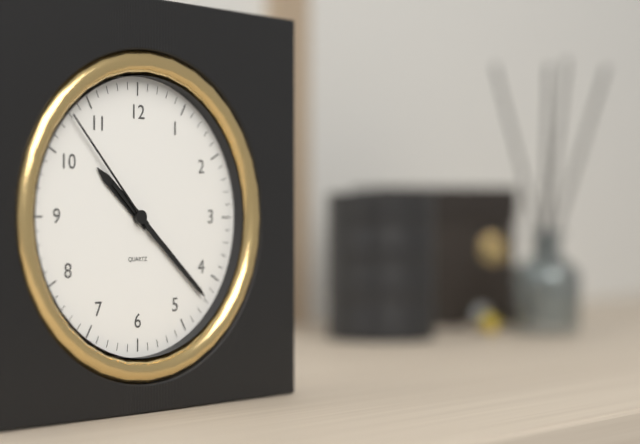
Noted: 10,22,53
